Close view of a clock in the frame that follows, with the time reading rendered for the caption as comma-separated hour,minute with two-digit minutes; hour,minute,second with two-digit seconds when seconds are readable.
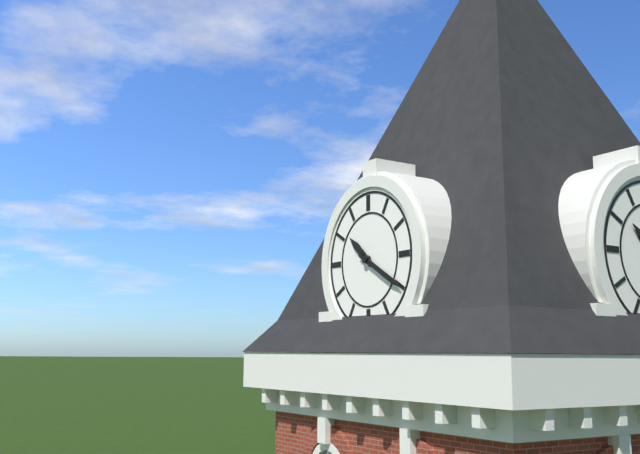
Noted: 10,20
